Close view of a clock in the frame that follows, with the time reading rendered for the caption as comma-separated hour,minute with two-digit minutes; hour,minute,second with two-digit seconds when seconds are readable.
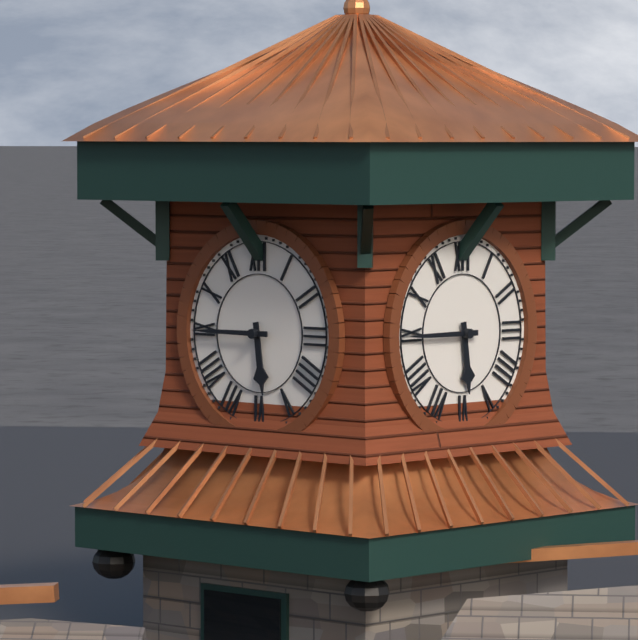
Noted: 5,45
